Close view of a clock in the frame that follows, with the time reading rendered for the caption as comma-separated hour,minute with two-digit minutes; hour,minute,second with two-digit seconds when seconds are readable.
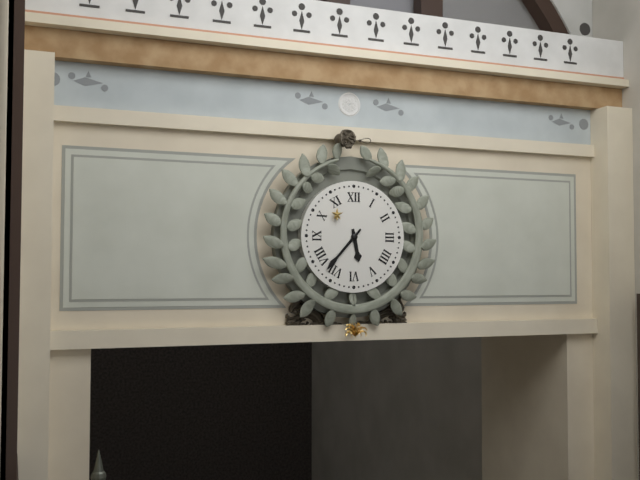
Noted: 5,37
